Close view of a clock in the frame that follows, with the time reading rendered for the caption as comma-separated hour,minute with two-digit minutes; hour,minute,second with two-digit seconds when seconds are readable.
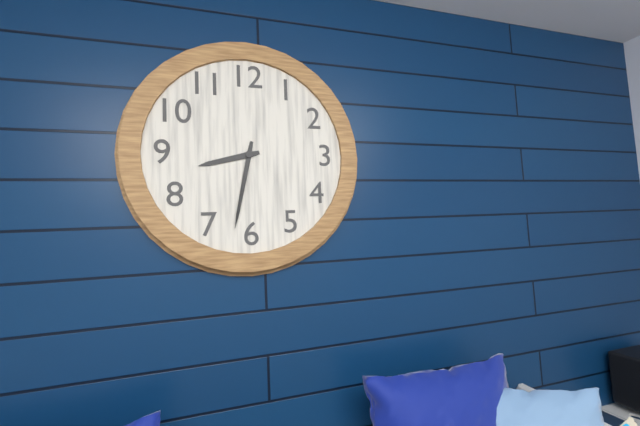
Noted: 8,32
